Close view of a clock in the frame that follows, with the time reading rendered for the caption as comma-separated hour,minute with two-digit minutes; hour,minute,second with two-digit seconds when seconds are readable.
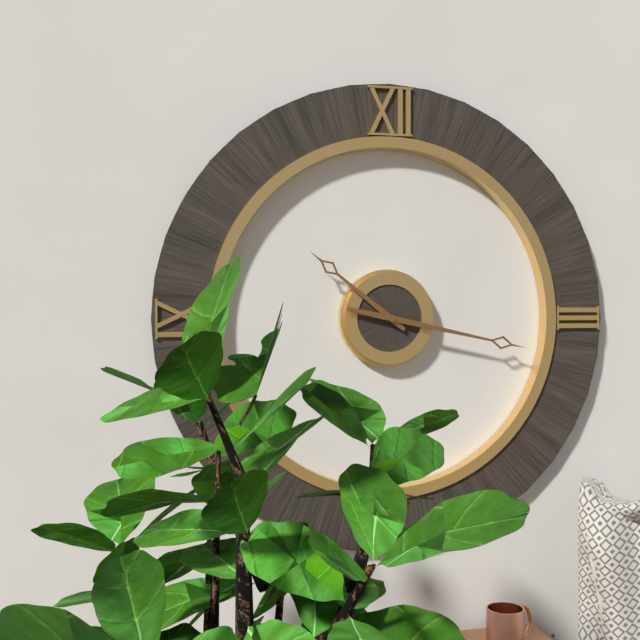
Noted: 10,17
